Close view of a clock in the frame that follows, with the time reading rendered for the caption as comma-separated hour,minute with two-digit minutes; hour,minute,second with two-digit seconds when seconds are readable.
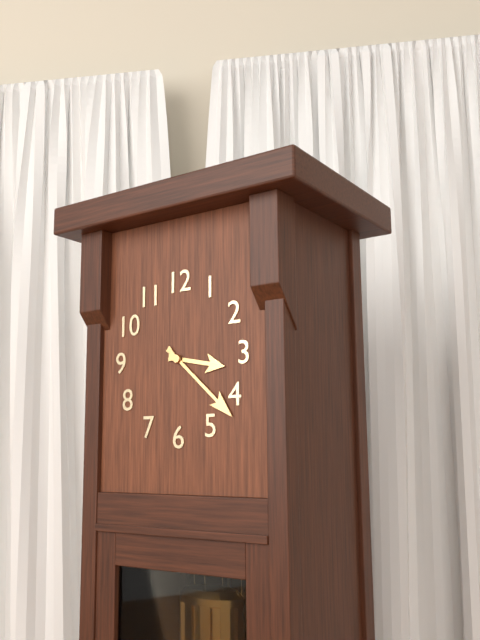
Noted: 3,22
